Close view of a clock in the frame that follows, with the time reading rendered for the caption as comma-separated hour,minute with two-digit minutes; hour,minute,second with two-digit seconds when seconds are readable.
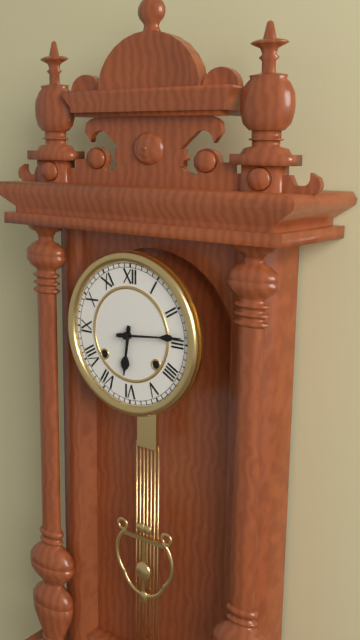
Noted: 6,14
